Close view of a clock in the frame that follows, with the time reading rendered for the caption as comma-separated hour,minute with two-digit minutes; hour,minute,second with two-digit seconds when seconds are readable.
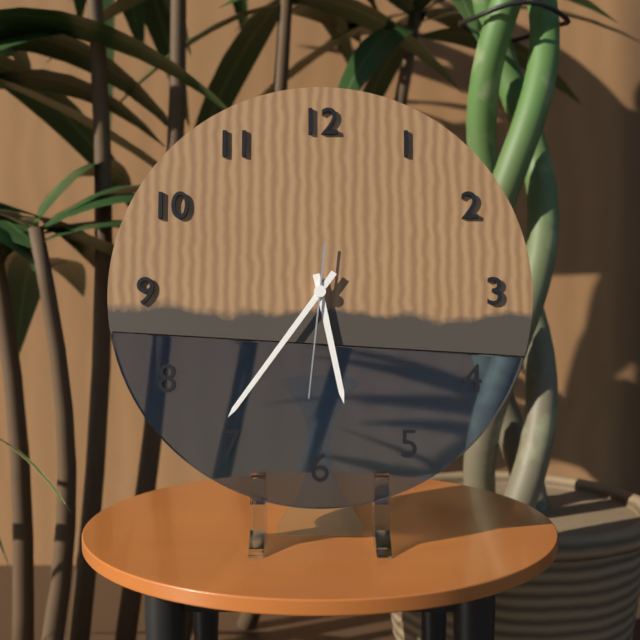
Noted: 5,36,31
